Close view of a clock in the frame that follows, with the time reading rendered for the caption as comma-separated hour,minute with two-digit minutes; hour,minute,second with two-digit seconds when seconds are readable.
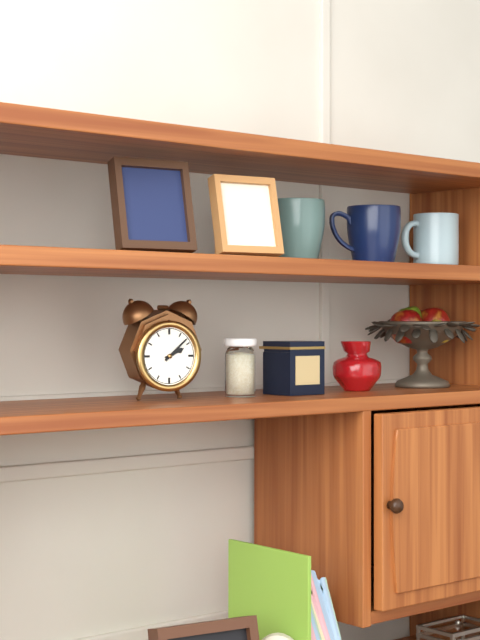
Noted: 2,08
